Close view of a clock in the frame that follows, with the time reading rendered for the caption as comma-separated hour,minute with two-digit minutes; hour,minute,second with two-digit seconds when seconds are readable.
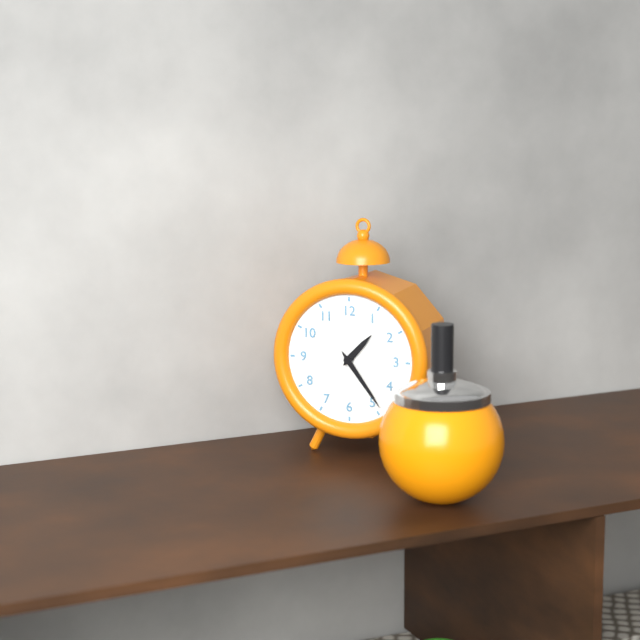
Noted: 1,24
